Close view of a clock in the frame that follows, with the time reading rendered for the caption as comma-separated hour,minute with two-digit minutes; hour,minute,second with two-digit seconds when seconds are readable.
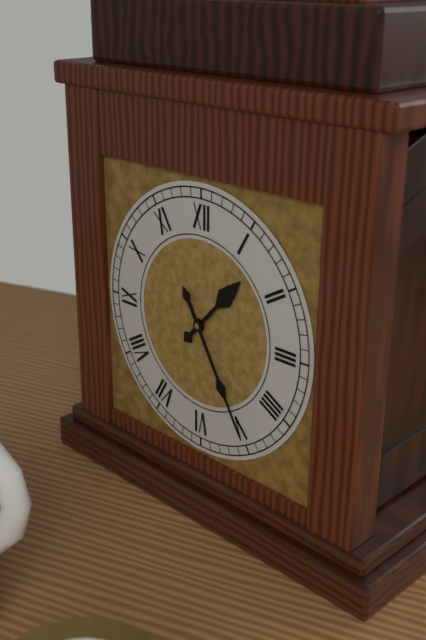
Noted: 1,25
